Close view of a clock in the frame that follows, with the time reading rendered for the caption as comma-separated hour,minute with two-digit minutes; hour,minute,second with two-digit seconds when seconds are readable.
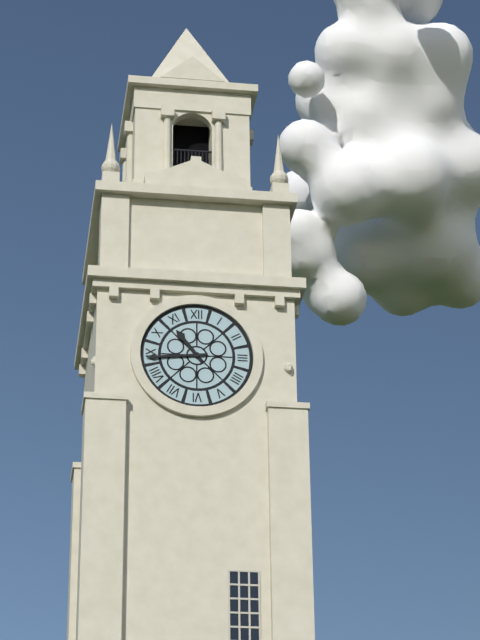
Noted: 10,44
